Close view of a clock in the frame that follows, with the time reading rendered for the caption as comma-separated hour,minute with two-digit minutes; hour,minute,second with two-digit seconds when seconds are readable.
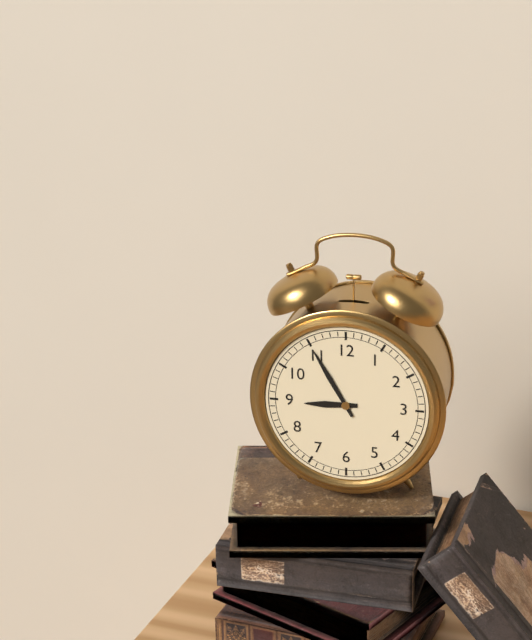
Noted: 8,55
